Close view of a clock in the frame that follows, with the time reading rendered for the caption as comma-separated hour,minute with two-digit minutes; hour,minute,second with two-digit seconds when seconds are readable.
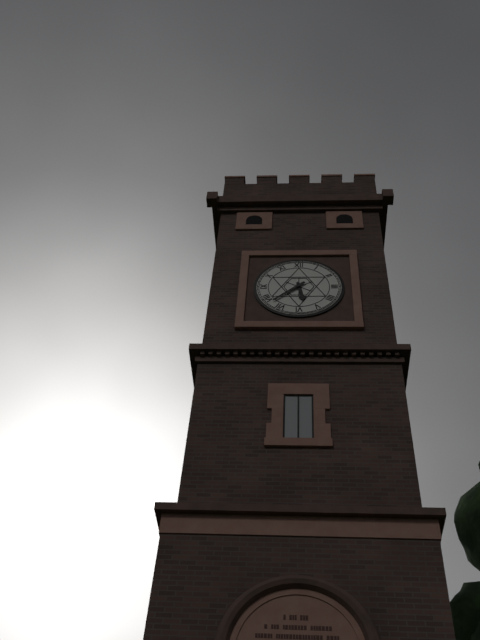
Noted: 5,38
